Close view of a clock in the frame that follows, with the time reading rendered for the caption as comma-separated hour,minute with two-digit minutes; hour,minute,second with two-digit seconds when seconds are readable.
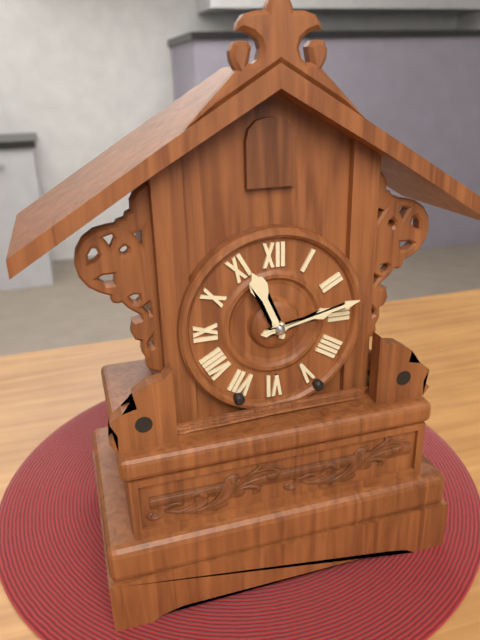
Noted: 11,13
